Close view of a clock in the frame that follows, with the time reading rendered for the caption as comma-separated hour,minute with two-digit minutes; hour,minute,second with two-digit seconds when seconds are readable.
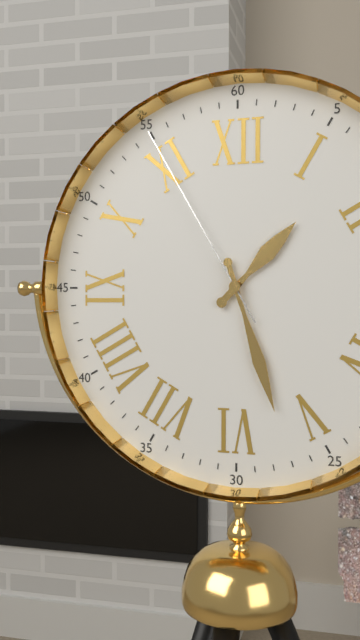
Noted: 1,27,55
